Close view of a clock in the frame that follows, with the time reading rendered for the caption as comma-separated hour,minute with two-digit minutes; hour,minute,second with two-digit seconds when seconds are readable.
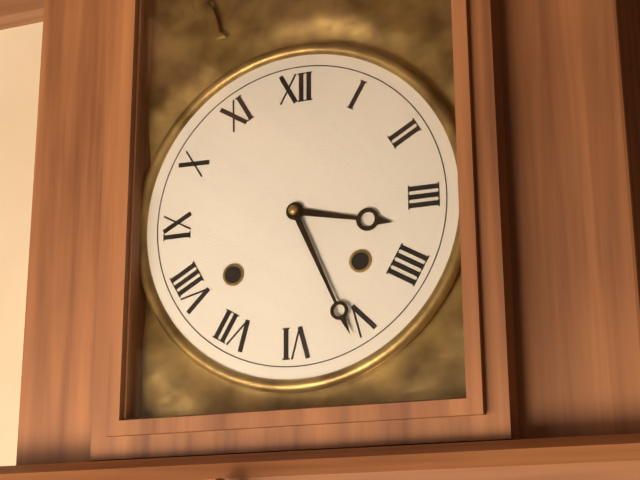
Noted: 3,26
